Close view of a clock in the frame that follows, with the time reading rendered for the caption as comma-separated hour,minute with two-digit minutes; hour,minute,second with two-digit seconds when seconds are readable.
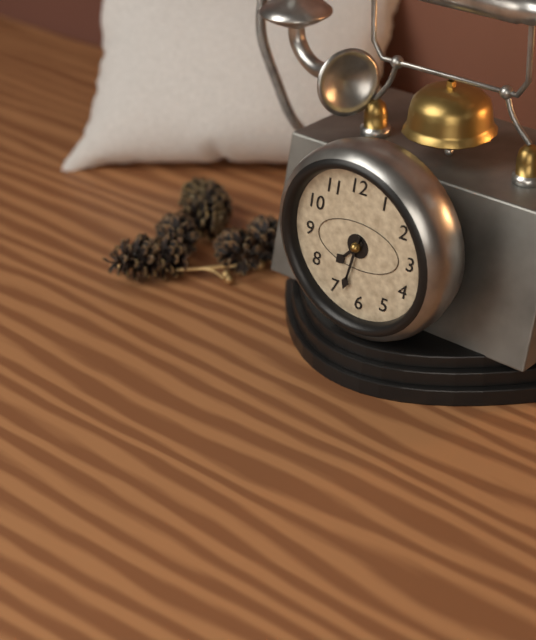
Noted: 7,33
